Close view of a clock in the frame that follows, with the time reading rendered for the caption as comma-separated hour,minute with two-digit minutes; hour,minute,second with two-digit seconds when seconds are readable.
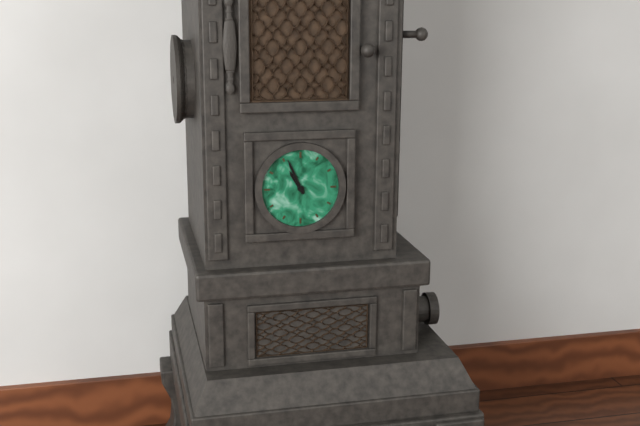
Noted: 10,56
